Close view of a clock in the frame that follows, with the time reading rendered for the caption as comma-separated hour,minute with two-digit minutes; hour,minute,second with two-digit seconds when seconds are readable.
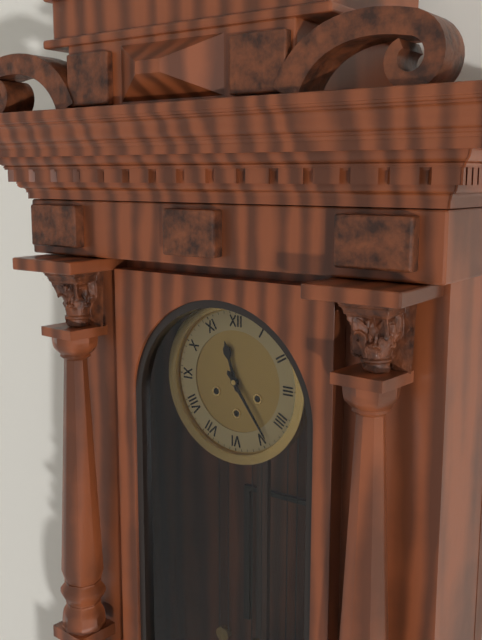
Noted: 11,24
